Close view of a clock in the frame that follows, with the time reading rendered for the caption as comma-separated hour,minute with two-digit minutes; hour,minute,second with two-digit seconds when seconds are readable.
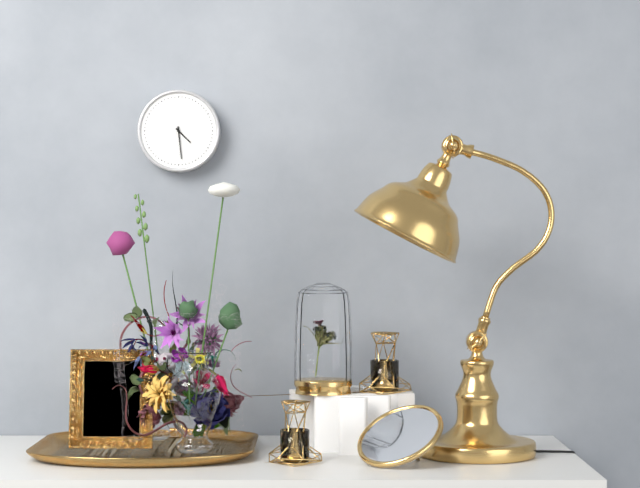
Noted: 4,29
